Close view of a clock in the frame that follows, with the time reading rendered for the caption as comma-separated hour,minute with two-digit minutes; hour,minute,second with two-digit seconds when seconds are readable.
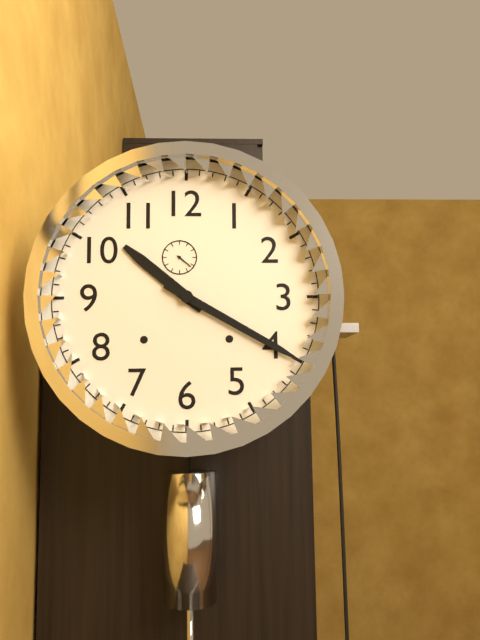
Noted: 10,20
